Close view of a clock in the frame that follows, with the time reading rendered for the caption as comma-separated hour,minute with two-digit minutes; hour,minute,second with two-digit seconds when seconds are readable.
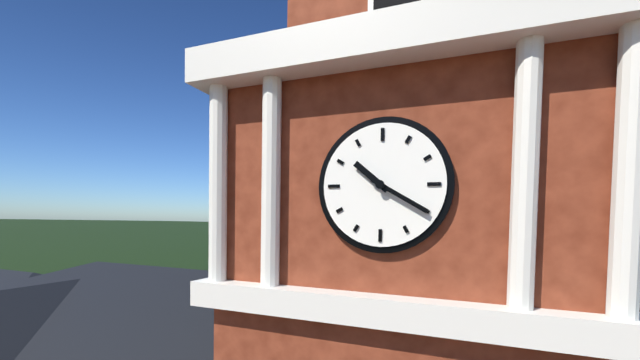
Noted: 10,20
